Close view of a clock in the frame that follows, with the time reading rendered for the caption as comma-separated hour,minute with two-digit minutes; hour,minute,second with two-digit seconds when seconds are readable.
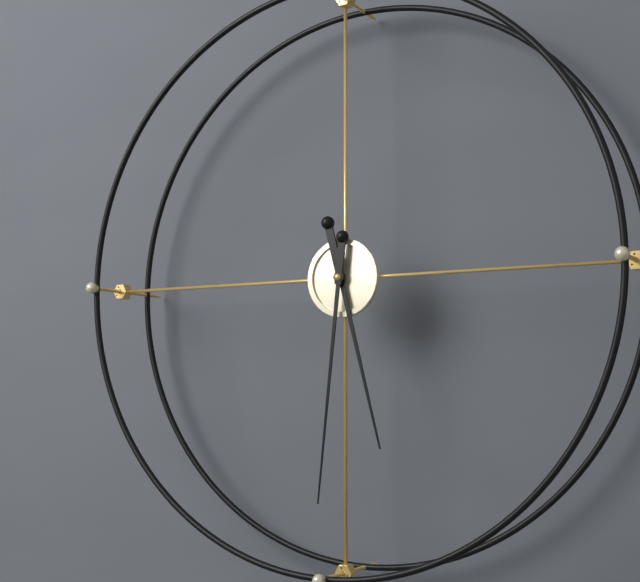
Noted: 5,31
